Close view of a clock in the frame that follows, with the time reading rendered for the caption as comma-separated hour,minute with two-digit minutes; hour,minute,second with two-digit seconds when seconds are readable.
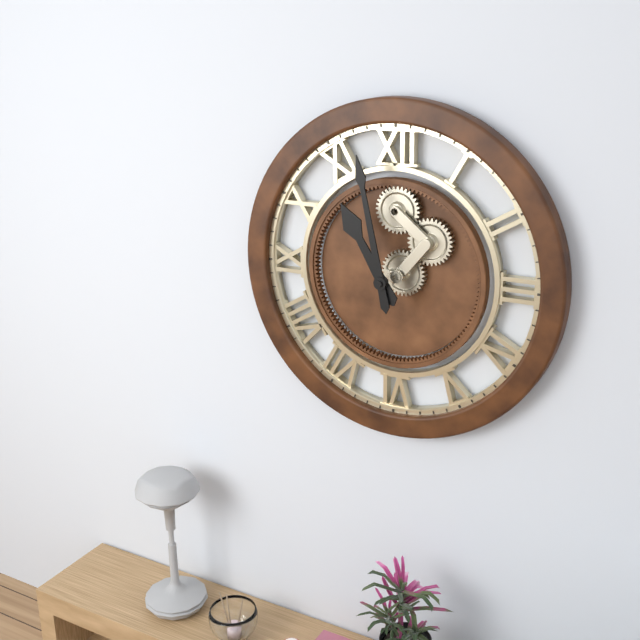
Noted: 10,58
